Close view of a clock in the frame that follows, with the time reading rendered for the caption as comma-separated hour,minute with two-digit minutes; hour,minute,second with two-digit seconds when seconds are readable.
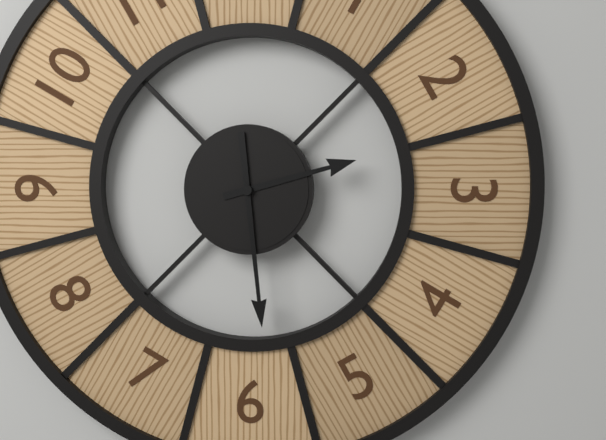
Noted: 2,29
